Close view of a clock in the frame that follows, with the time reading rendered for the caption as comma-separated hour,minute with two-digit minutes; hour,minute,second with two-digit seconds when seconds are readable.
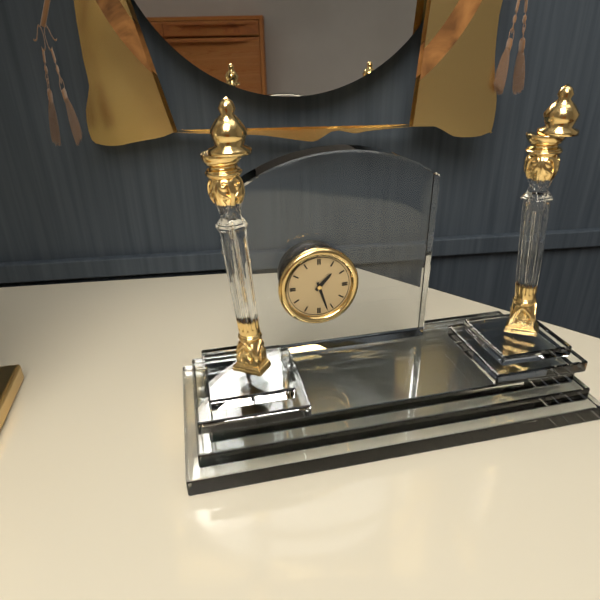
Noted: 1,27
